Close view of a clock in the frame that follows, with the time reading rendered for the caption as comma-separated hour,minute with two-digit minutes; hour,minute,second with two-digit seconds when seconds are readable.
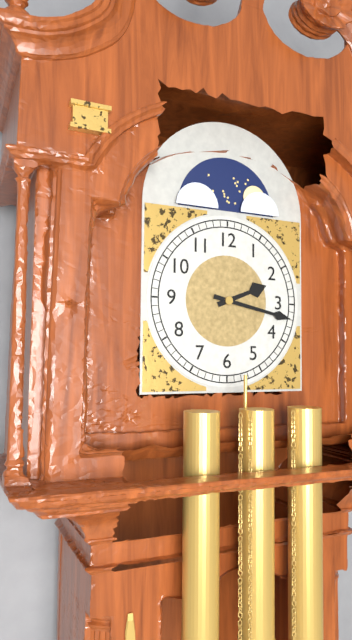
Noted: 2,17
